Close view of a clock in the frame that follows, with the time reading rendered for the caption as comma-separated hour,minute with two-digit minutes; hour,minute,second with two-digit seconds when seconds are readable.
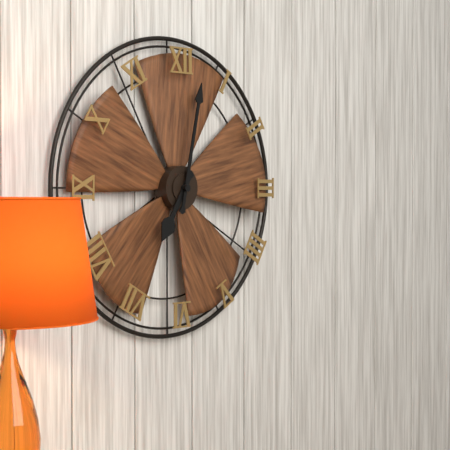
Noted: 7,02
